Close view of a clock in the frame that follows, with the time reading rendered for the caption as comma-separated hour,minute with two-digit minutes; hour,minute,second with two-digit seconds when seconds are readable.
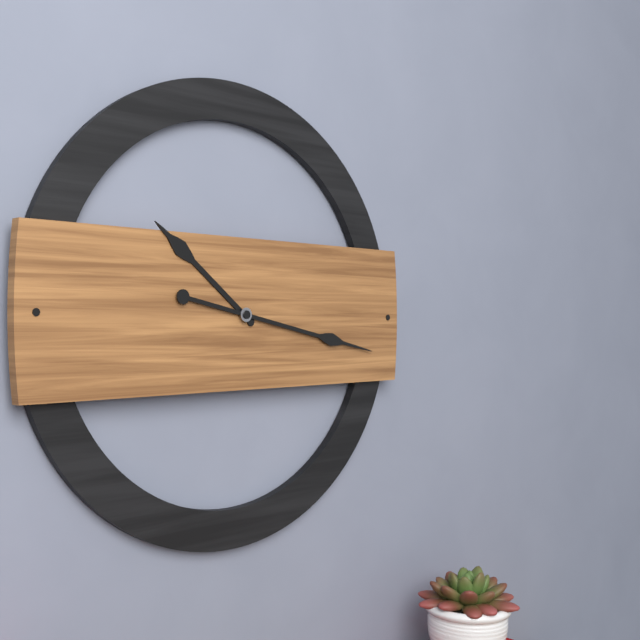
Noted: 10,17
